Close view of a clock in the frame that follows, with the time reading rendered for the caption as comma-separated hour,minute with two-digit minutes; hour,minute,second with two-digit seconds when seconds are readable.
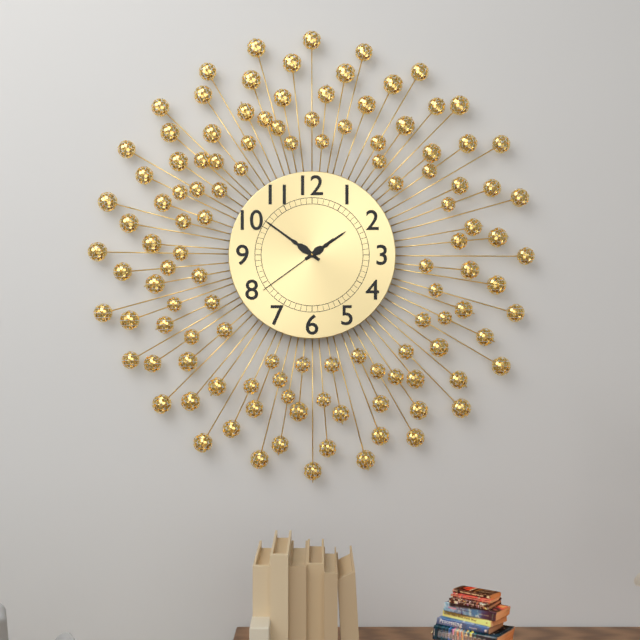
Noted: 1,51,39
